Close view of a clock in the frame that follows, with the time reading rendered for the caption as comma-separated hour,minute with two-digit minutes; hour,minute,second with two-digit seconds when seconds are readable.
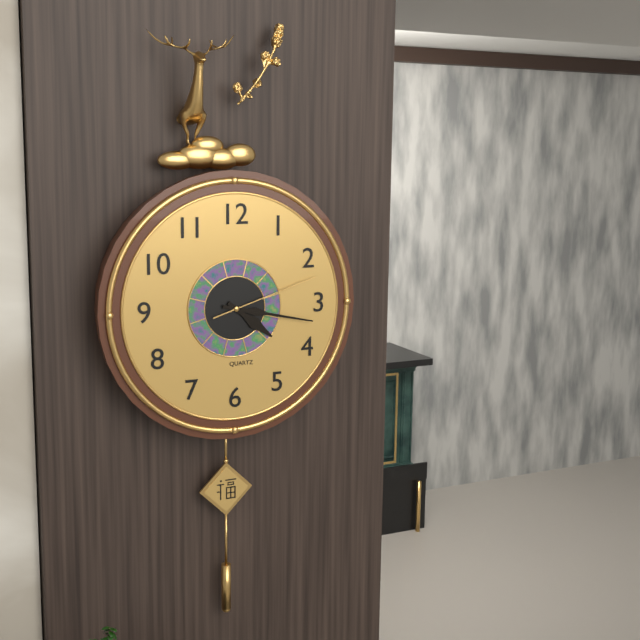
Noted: 4,17,12
